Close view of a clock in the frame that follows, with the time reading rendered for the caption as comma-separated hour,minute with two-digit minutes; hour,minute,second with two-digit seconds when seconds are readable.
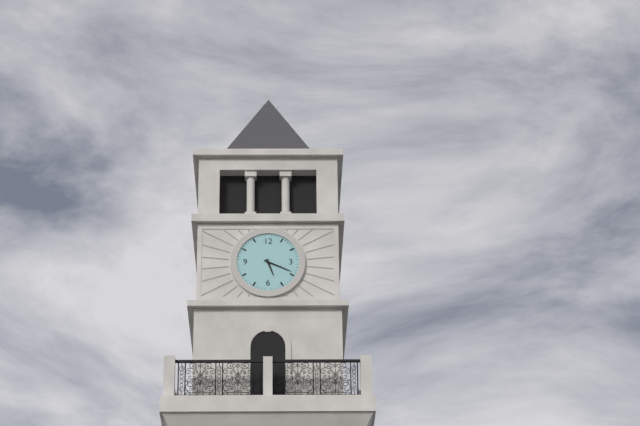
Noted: 5,19
